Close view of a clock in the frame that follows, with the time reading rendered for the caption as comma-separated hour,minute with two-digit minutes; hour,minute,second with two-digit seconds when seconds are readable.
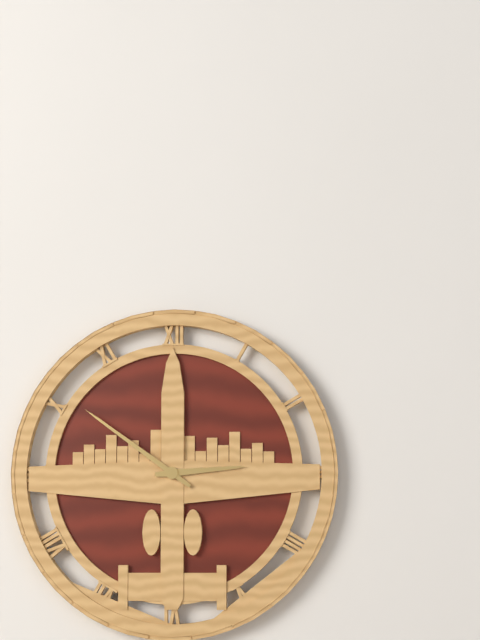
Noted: 2,51
